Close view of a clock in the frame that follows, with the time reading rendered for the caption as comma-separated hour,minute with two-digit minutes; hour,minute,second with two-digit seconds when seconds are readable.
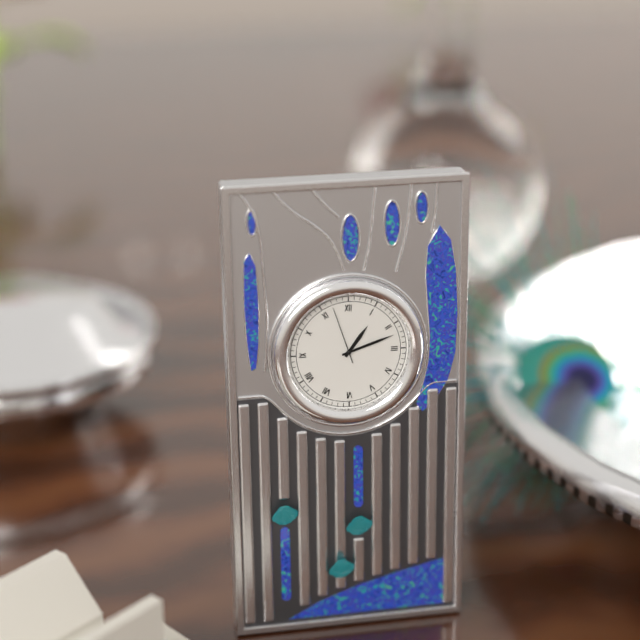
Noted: 1,12,57
